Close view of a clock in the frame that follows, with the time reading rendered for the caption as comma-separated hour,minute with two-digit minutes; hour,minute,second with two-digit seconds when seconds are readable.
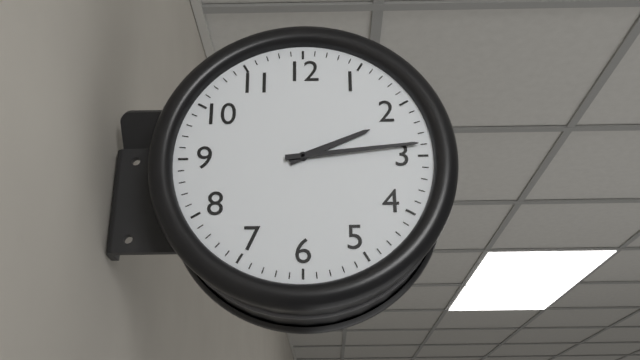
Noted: 2,14
